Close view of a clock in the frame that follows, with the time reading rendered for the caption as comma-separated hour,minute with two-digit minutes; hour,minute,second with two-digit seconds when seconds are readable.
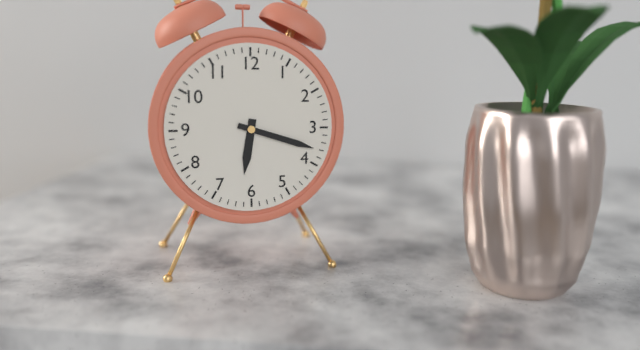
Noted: 6,18
